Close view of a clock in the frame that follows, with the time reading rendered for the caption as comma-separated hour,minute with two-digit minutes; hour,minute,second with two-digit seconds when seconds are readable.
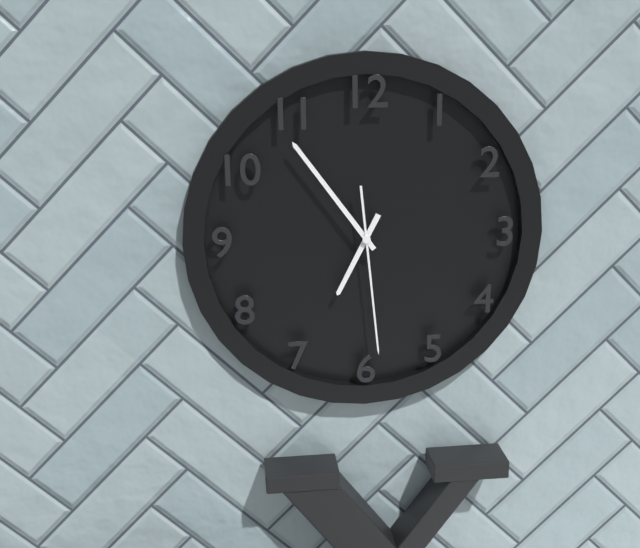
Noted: 6,54,29
